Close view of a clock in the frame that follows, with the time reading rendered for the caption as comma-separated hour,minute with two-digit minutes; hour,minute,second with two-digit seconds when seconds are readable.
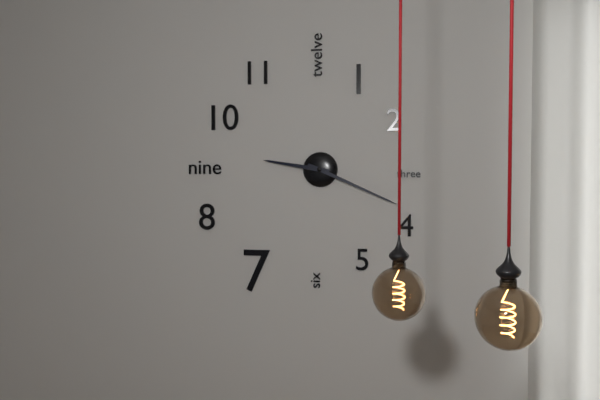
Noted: 9,19
